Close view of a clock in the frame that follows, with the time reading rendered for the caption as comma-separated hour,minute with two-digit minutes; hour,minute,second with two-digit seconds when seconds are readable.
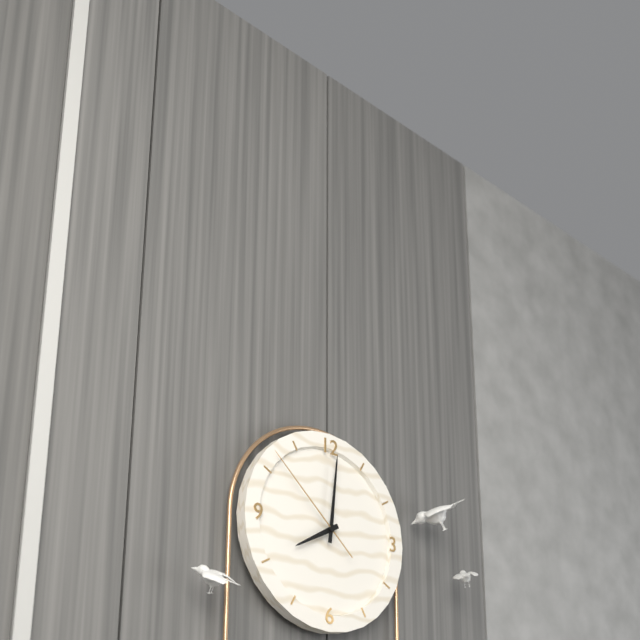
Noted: 8,01,52
